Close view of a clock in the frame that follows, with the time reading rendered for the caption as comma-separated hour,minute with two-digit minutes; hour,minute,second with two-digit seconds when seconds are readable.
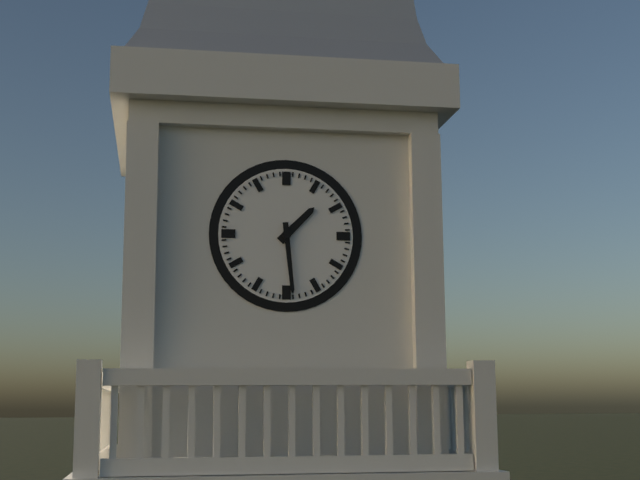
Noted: 1,29
